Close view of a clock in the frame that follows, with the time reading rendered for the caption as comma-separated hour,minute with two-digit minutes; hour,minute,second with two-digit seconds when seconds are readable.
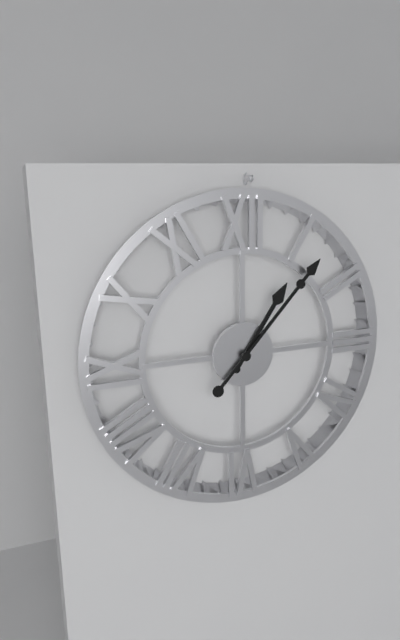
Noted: 1,07
